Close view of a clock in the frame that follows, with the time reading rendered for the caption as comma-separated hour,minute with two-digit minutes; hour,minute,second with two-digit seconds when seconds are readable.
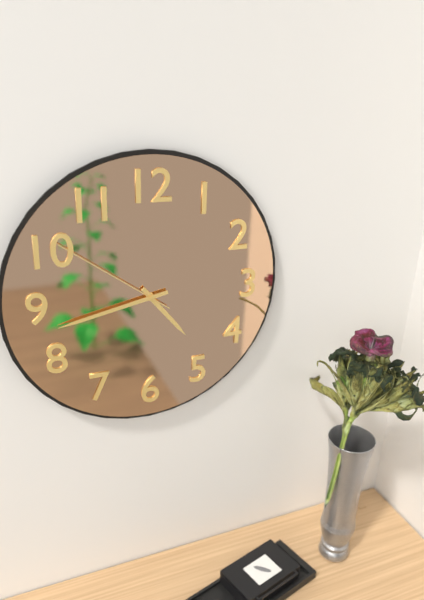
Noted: 4,43,51
